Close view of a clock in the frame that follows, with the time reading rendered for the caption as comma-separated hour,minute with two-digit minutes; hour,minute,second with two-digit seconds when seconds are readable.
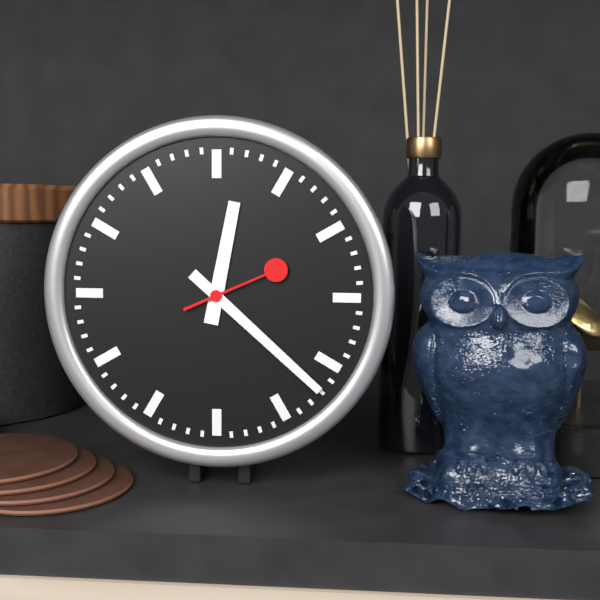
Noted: 12,22,11
